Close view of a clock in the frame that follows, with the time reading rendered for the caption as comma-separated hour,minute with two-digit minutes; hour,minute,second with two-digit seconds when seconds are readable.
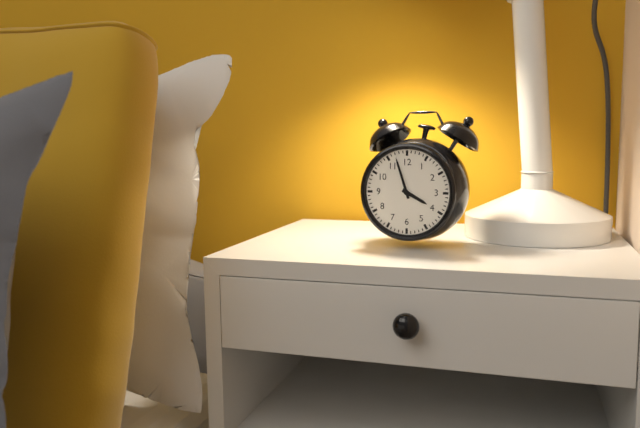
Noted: 3,57
